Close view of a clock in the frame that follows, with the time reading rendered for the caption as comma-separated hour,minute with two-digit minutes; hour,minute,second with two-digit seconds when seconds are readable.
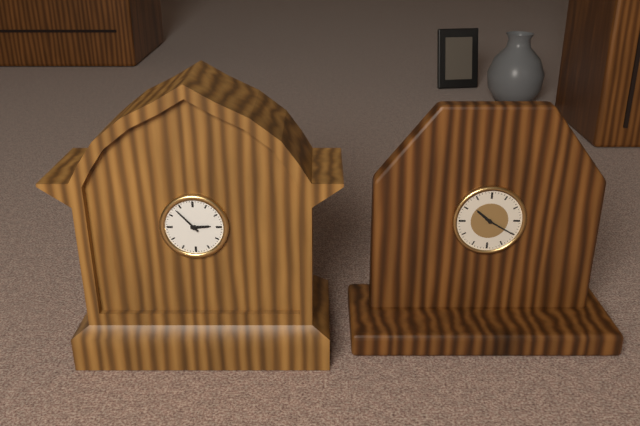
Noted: 2,53
